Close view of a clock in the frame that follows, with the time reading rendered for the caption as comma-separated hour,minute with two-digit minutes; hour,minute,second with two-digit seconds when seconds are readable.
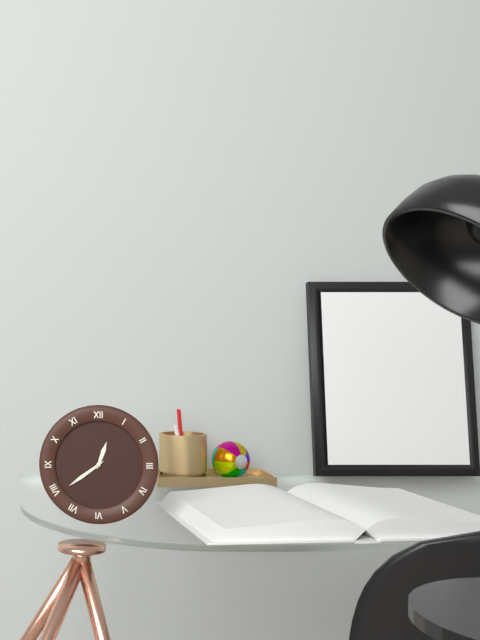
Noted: 12,39
